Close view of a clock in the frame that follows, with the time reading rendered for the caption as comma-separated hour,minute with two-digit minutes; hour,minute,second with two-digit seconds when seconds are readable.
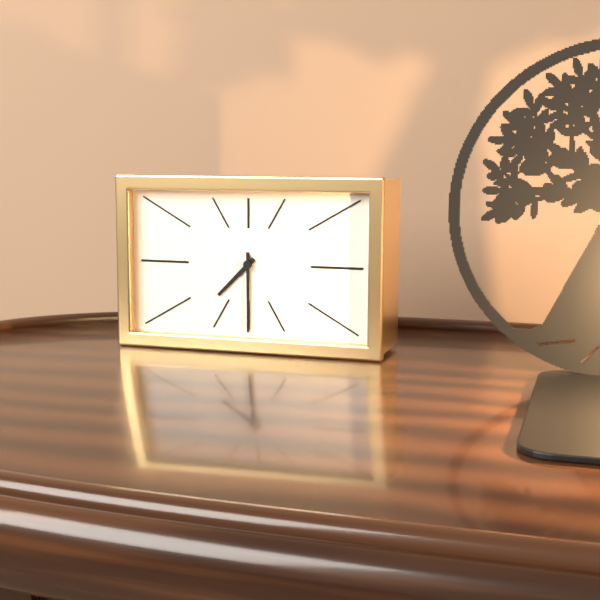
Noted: 7,30
